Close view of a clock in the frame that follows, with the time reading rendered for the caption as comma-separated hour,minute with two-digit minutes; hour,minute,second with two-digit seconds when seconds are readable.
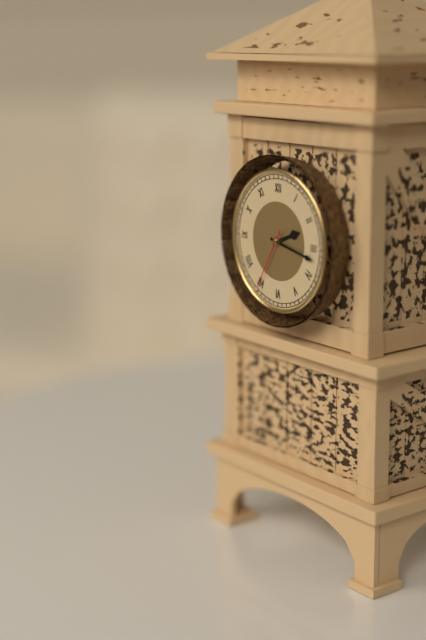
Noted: 2,17,35
